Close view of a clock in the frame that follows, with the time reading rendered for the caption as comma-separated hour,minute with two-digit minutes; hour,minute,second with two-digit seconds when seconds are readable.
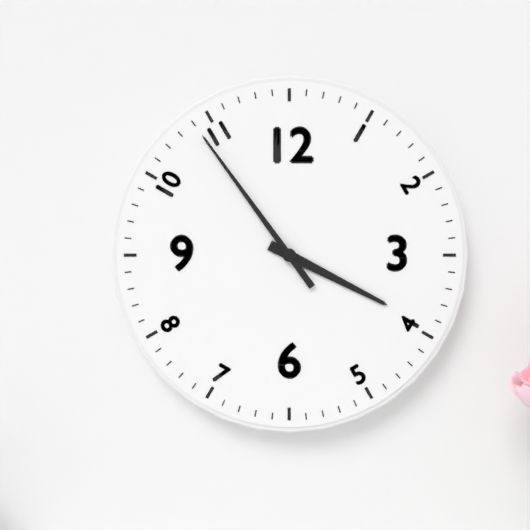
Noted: 3,54
